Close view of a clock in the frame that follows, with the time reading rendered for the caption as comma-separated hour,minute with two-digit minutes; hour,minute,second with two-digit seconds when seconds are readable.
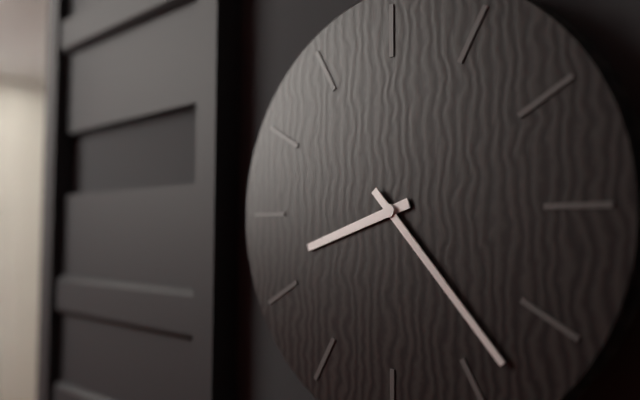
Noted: 8,23
